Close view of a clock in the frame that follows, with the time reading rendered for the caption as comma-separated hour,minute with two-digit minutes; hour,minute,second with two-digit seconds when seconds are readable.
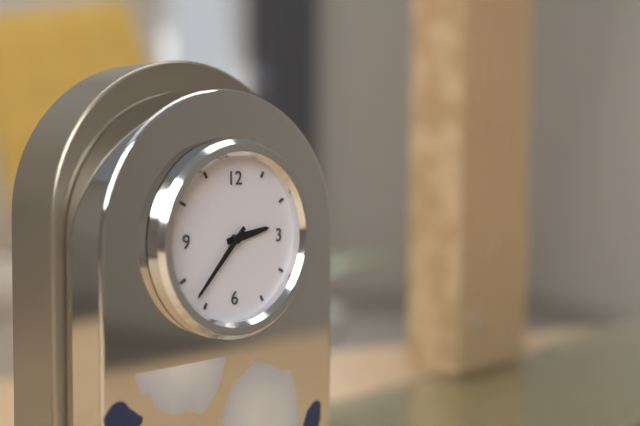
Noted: 2,37
